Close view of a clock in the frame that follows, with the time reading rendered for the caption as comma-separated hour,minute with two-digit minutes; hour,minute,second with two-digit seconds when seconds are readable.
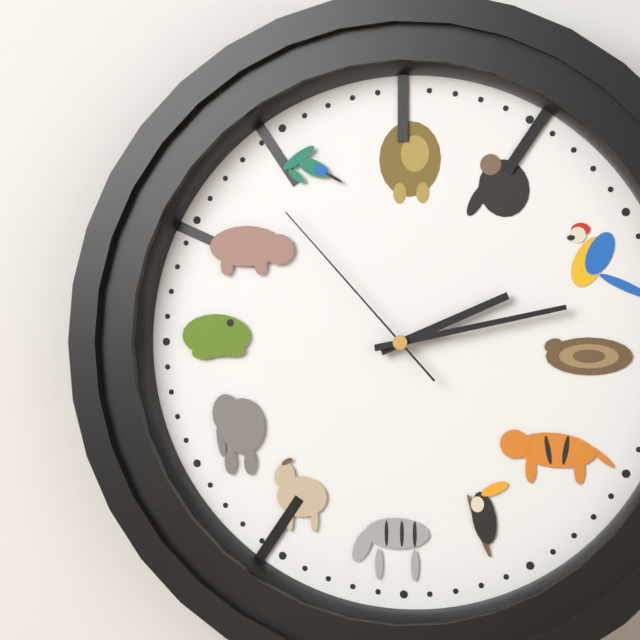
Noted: 2,13,53
